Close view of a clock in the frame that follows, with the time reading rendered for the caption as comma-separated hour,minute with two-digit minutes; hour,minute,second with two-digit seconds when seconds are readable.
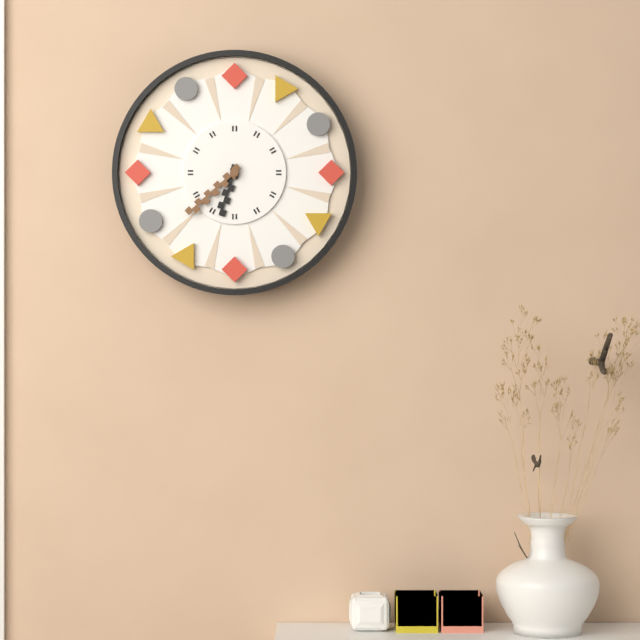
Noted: 6,38
